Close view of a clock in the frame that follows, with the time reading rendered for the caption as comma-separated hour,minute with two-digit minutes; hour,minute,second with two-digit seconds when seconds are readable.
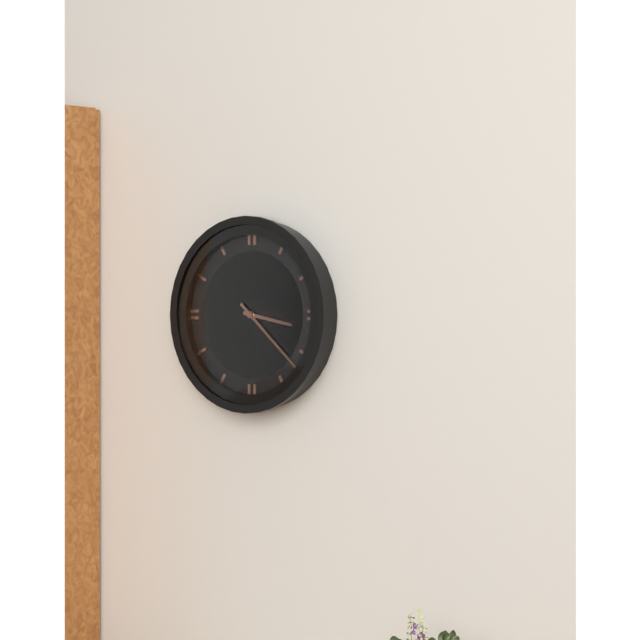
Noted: 3,22
